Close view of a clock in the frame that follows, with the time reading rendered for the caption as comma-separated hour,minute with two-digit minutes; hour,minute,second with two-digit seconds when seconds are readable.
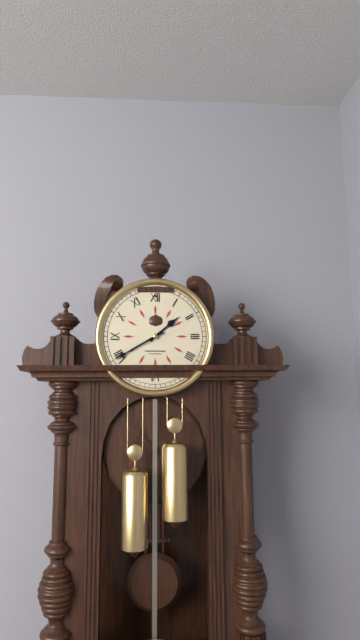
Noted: 1,40
